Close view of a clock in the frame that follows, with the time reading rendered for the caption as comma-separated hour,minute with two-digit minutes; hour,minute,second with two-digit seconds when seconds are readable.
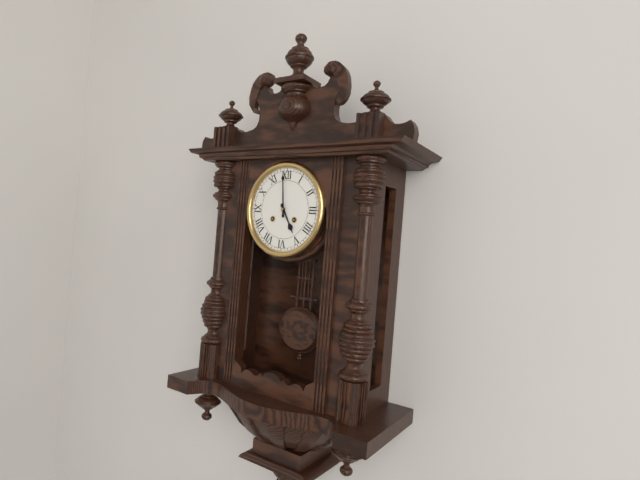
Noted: 4,59
